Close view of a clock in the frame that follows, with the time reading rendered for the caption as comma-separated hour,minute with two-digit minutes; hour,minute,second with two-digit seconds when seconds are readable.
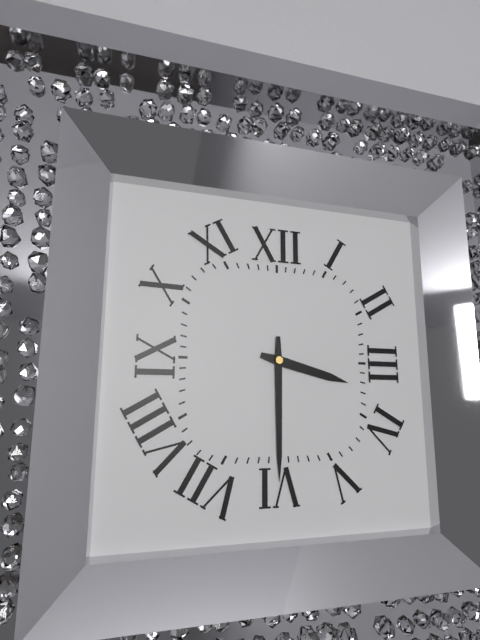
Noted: 3,30
